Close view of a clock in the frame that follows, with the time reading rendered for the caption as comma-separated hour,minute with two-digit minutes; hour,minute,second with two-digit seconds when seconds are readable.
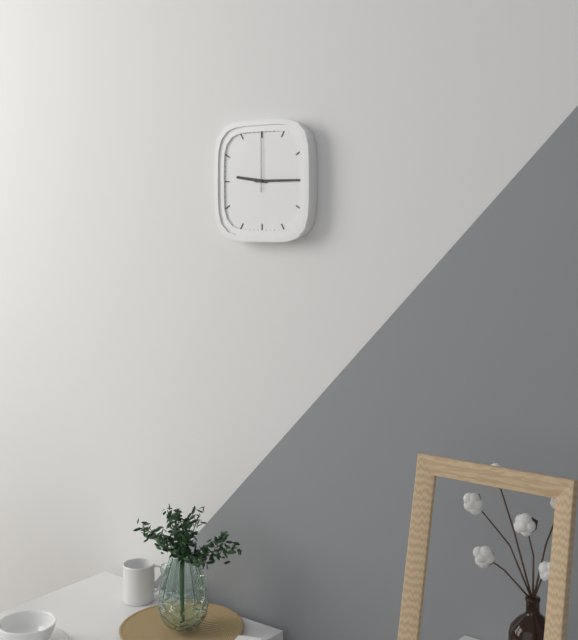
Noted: 9,15,00
